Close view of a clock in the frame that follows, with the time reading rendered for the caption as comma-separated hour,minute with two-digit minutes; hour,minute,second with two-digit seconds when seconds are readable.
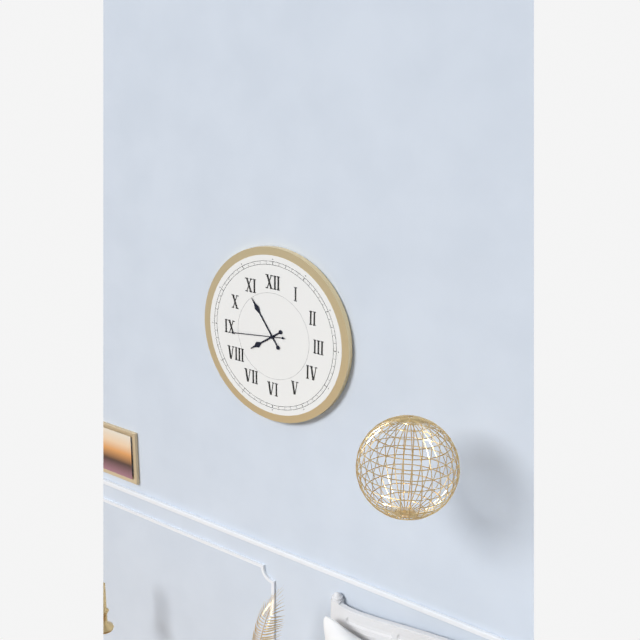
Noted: 7,54,44
